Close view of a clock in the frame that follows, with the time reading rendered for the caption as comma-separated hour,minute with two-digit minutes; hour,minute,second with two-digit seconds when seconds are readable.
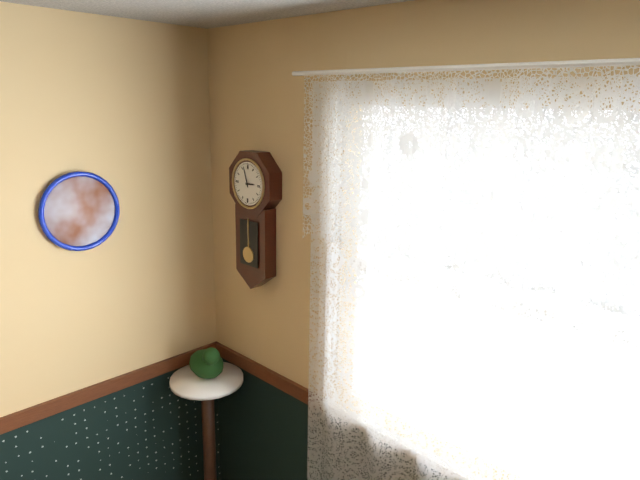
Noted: 2,57
